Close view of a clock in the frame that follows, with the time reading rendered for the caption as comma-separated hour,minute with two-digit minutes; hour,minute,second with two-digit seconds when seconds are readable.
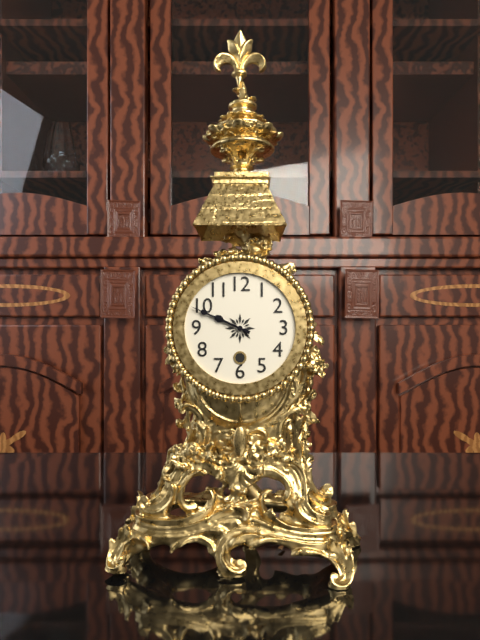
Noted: 9,49
